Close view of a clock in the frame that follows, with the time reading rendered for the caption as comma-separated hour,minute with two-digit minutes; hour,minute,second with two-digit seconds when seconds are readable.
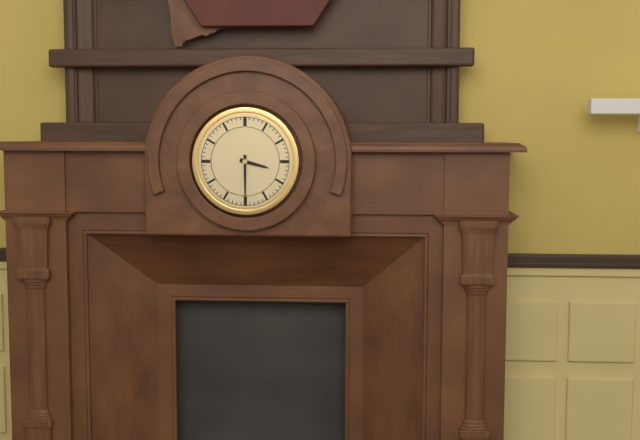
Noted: 3,30
